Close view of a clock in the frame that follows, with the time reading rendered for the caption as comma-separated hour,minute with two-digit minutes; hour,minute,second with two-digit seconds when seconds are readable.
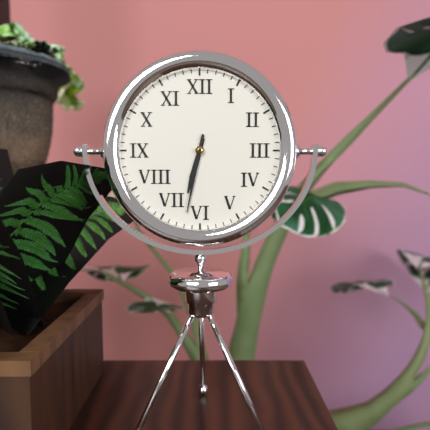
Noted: 6,32
